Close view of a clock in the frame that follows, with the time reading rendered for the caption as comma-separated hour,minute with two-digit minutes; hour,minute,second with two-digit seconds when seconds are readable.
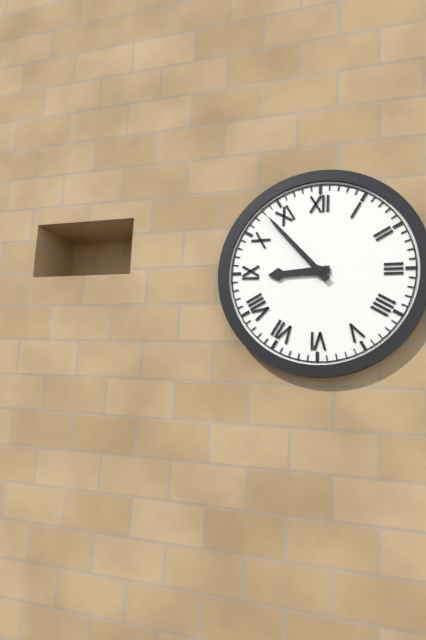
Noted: 8,53
